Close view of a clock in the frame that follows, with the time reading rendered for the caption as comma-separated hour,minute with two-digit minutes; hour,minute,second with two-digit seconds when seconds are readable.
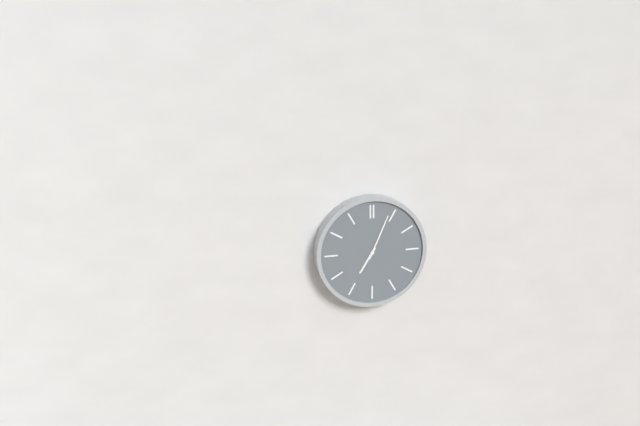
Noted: 7,04
